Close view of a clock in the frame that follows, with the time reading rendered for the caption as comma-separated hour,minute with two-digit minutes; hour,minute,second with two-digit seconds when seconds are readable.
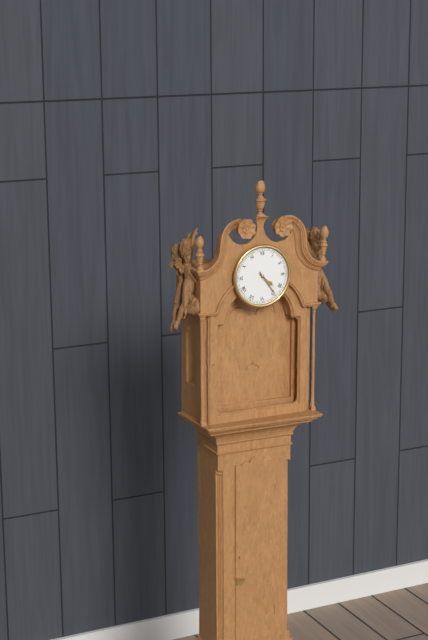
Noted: 4,24
